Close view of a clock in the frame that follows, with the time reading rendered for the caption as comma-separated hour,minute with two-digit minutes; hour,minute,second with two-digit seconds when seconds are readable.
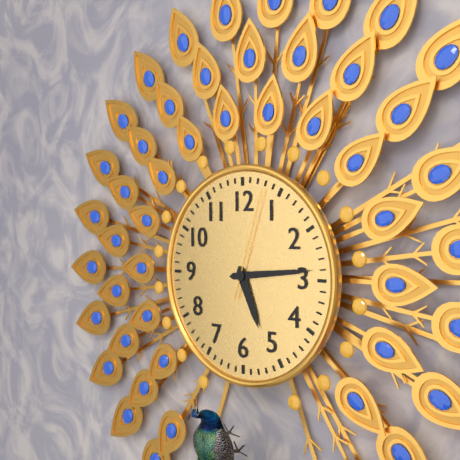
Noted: 5,14,03
